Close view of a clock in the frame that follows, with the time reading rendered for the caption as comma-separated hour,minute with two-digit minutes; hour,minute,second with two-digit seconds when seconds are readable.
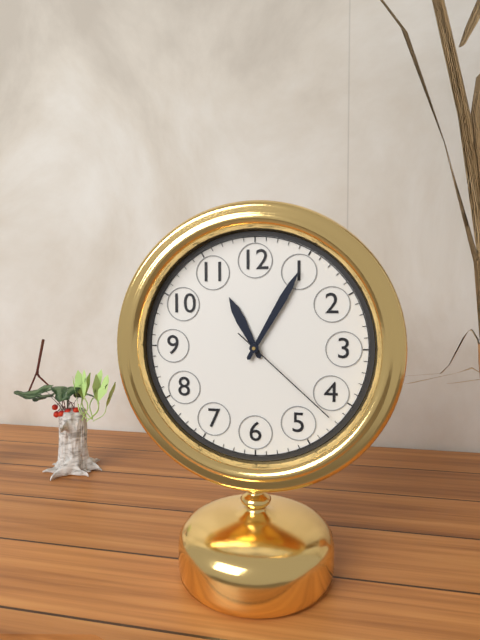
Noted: 11,05,22
